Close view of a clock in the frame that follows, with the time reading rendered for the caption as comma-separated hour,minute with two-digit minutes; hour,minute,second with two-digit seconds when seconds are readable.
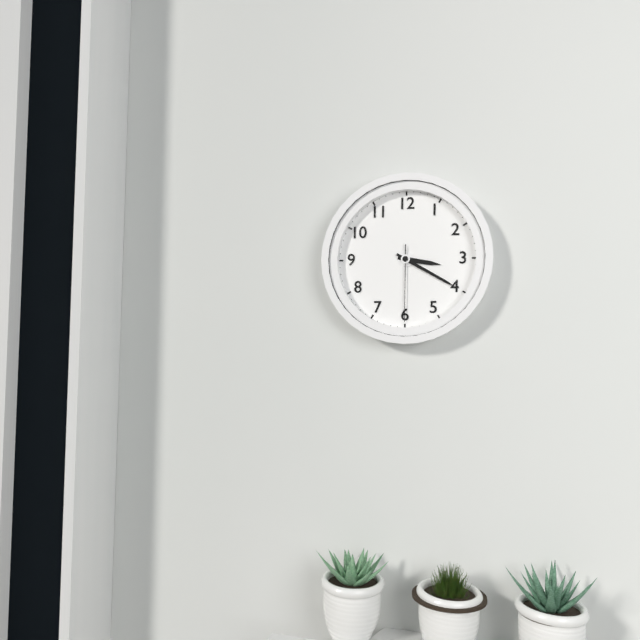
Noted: 3,20,30
